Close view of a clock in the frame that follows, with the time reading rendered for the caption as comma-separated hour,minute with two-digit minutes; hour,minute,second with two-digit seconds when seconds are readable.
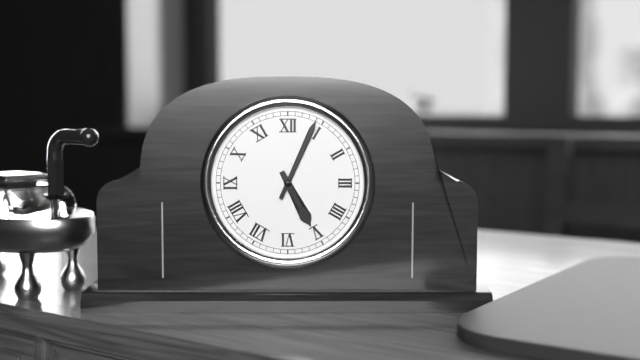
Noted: 5,04
